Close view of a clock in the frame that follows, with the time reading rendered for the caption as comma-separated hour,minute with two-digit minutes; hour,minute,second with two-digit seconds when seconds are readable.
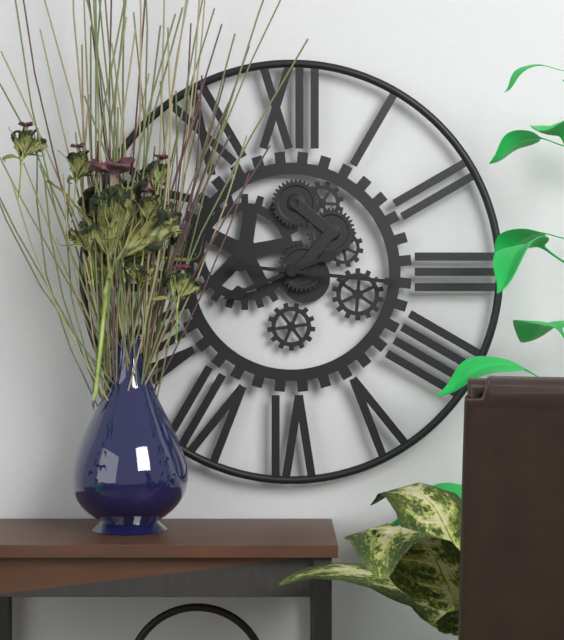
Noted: 8,16
